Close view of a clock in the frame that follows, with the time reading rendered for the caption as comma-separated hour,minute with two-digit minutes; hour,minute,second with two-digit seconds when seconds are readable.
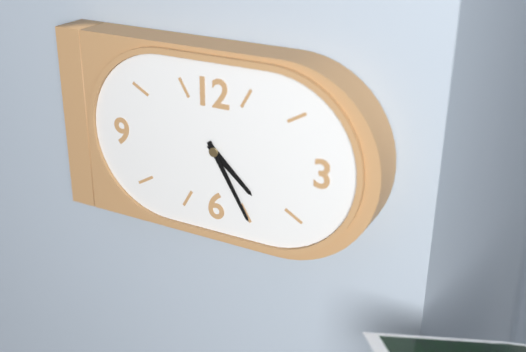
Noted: 4,25
